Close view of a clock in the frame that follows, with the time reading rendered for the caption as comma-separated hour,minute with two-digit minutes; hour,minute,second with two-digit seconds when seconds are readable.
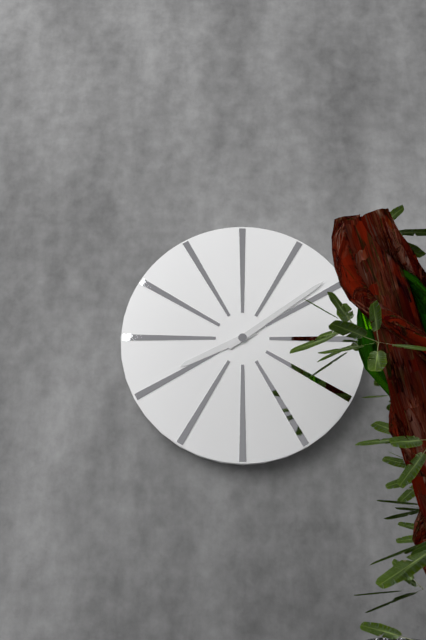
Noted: 8,09
